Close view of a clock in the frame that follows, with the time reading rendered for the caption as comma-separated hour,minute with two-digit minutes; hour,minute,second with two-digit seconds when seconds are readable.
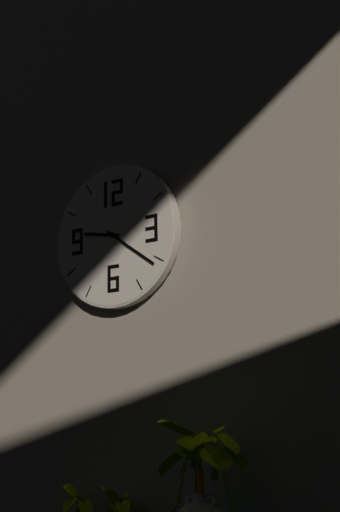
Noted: 9,21
